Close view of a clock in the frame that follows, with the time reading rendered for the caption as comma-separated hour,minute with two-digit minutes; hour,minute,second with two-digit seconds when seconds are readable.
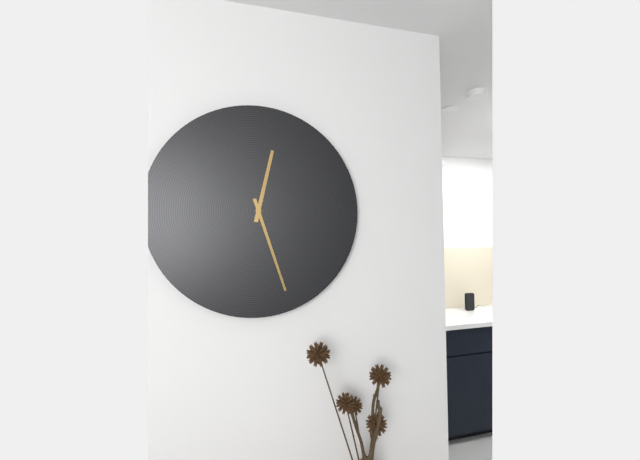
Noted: 12,27
